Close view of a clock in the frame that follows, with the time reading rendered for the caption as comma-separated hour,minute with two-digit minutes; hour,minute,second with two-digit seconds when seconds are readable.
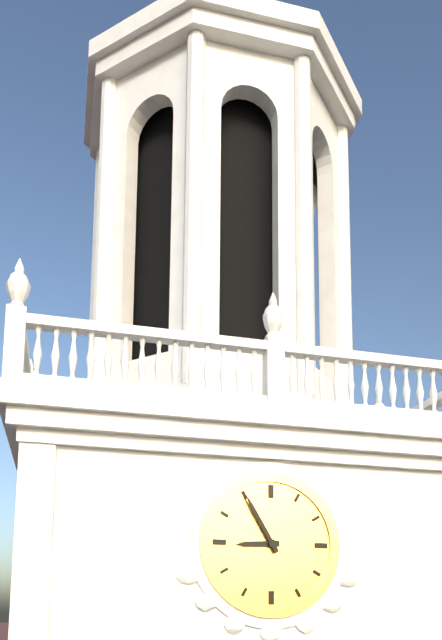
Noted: 8,55
